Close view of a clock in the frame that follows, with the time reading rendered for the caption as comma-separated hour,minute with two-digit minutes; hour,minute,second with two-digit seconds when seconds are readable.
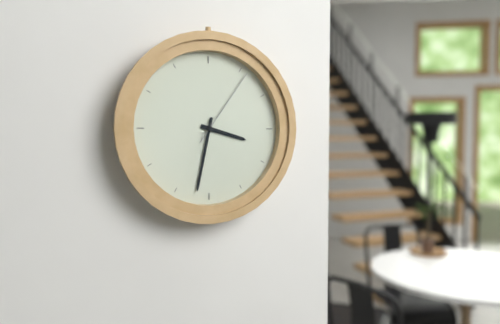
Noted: 3,32,06
